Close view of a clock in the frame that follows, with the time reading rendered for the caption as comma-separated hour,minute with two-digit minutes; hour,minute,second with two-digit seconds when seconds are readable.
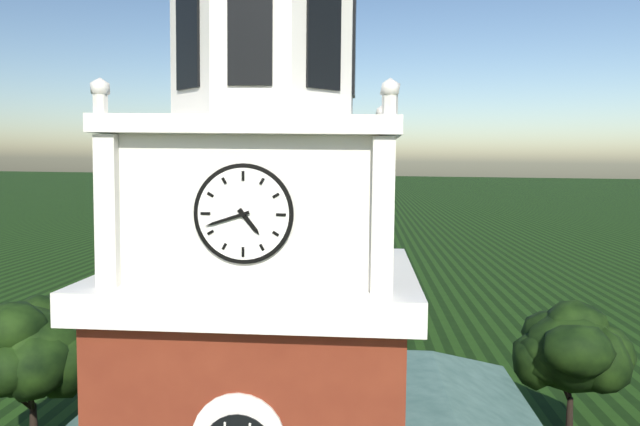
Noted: 4,42
